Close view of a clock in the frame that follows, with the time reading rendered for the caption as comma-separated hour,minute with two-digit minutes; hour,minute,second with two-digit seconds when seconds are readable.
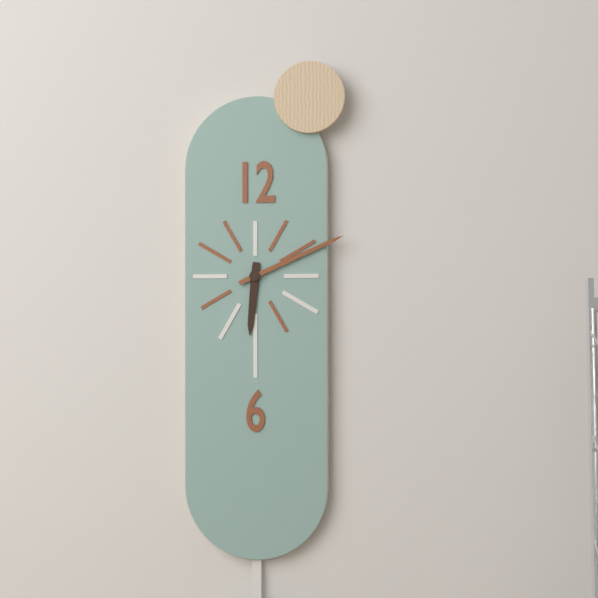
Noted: 6,11
